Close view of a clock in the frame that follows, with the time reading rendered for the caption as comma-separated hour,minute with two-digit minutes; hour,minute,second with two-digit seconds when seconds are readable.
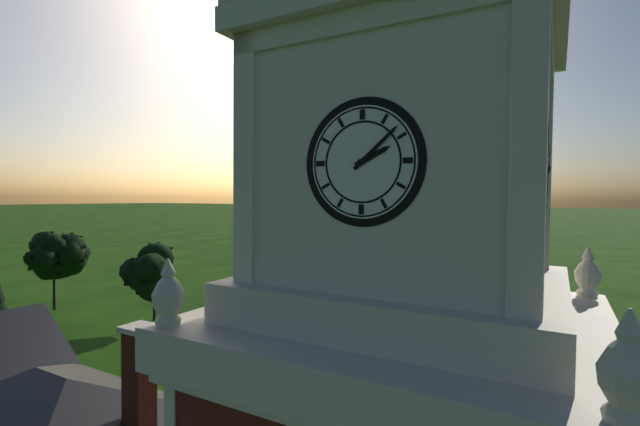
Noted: 2,08
